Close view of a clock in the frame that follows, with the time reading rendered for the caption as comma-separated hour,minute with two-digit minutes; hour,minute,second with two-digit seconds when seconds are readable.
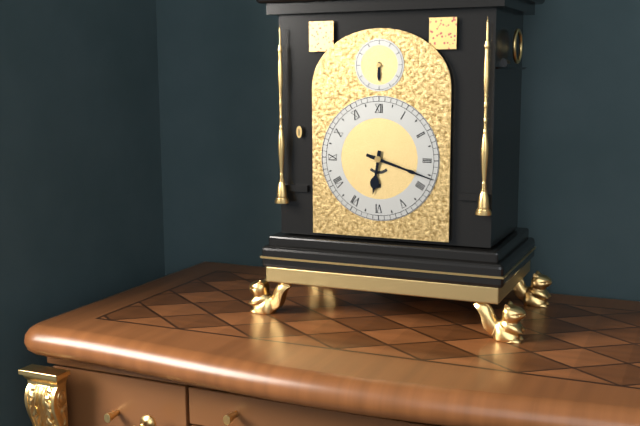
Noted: 6,18
